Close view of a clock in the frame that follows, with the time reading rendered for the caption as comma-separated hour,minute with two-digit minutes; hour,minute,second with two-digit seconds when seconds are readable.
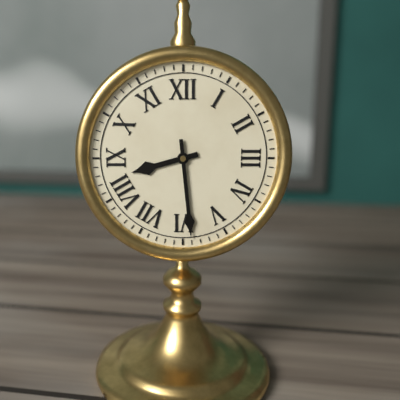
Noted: 8,29
